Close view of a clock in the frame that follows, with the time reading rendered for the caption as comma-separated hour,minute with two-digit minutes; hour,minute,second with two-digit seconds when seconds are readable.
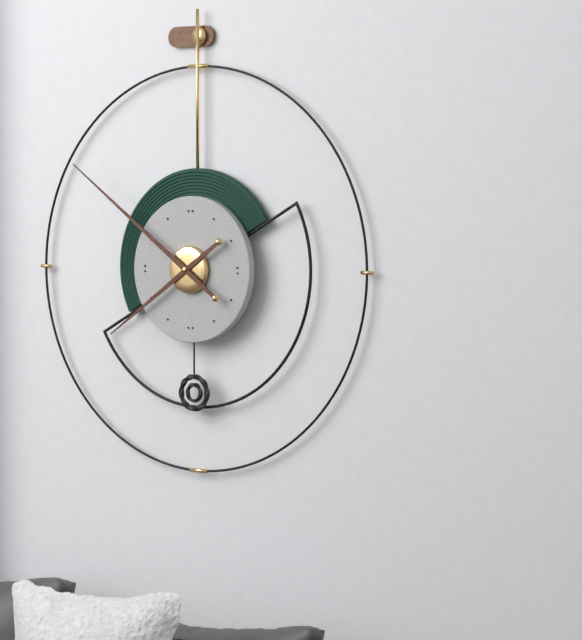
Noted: 7,51
